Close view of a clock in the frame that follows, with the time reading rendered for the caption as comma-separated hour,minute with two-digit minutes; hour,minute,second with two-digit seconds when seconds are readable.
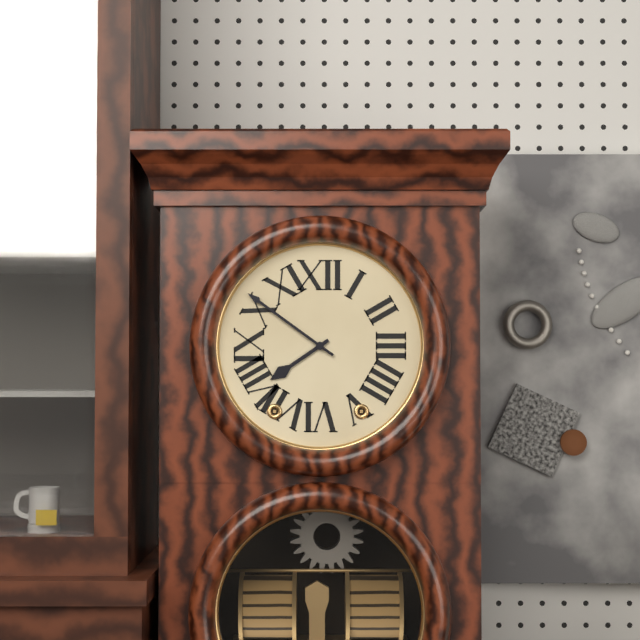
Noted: 7,51
